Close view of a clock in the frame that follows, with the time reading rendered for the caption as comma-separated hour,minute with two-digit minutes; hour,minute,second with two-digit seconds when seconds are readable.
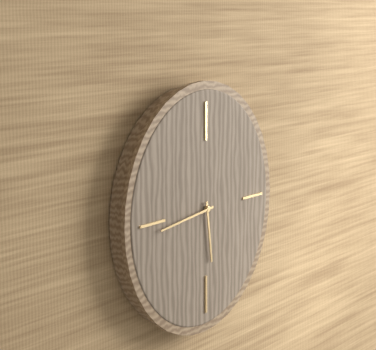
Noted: 5,44
